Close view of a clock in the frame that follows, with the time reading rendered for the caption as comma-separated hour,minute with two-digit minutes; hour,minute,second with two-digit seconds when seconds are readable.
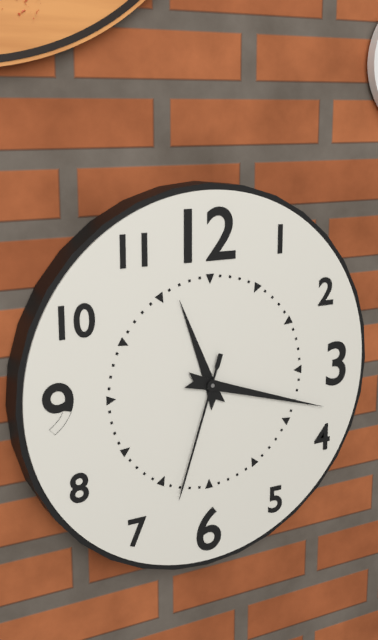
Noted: 11,18,33
